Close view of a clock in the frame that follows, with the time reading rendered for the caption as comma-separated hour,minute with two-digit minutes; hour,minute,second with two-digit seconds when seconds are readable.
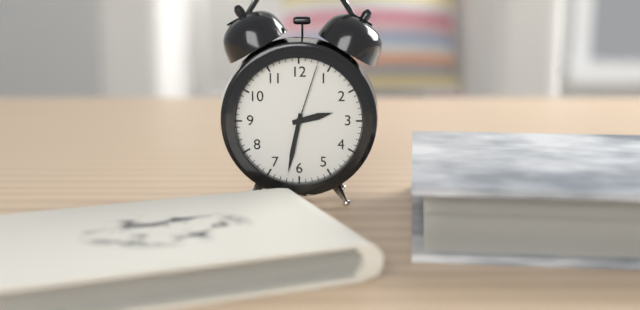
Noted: 2,32,03
